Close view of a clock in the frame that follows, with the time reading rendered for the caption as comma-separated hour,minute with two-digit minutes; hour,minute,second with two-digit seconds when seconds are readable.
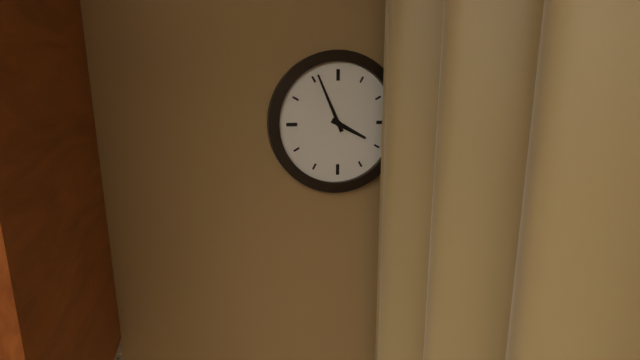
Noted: 3,56
